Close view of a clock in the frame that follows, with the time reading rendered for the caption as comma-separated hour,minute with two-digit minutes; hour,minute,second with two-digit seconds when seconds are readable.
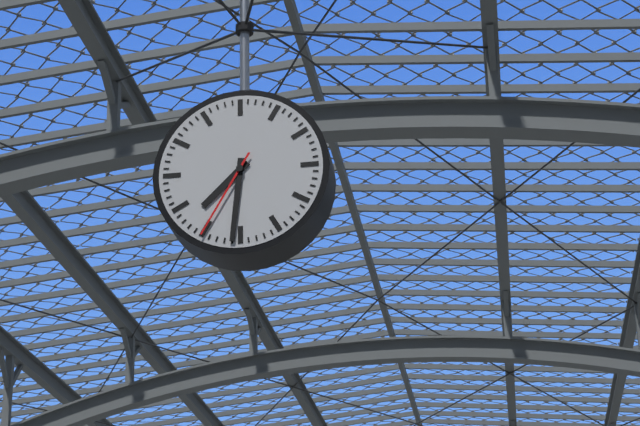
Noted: 7,31,35
